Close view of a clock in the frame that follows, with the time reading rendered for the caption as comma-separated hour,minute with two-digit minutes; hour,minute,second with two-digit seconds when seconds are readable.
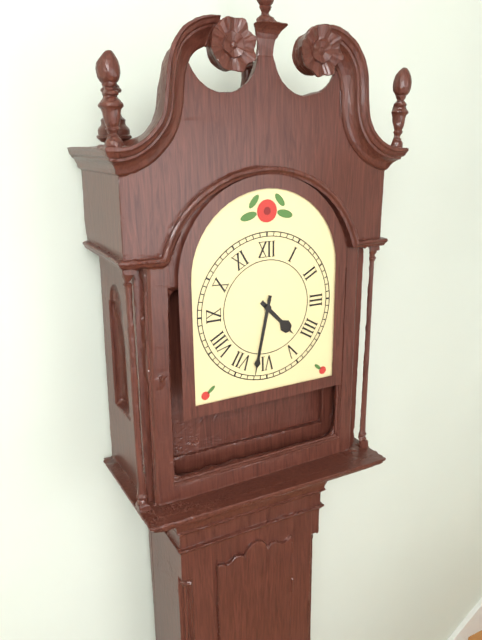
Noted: 4,32
